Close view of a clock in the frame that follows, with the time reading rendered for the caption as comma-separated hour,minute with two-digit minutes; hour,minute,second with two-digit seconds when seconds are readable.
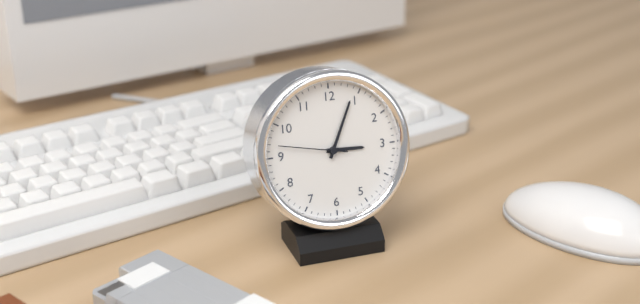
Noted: 3,04,47
